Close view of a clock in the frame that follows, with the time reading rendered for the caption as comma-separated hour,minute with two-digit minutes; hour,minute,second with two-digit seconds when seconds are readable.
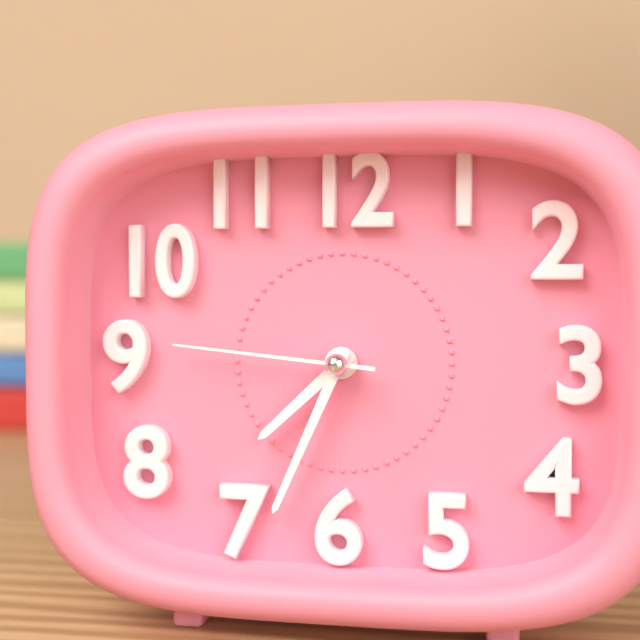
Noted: 7,34,46
